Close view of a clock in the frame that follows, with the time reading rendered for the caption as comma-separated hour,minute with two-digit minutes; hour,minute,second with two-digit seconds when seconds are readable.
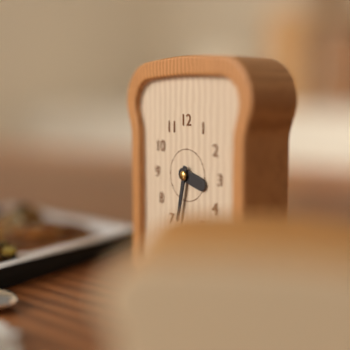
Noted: 3,32
